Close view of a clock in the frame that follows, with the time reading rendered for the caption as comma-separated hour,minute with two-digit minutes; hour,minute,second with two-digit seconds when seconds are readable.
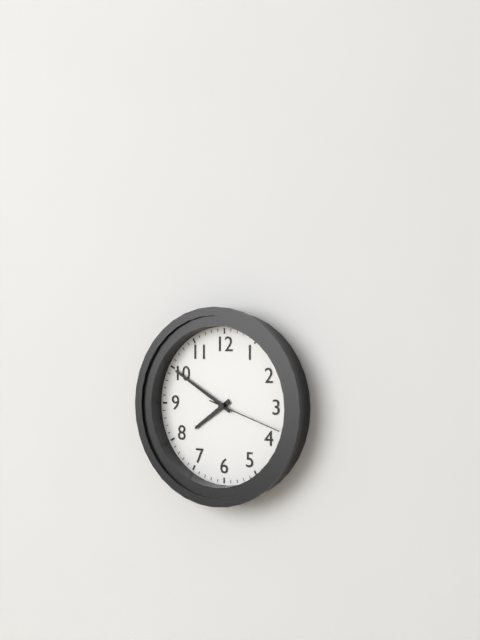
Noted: 7,50,18
